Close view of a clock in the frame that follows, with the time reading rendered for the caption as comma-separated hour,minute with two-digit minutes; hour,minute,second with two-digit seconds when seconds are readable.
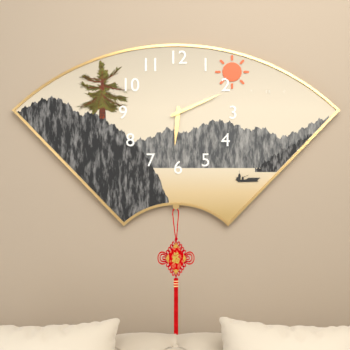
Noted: 6,11
